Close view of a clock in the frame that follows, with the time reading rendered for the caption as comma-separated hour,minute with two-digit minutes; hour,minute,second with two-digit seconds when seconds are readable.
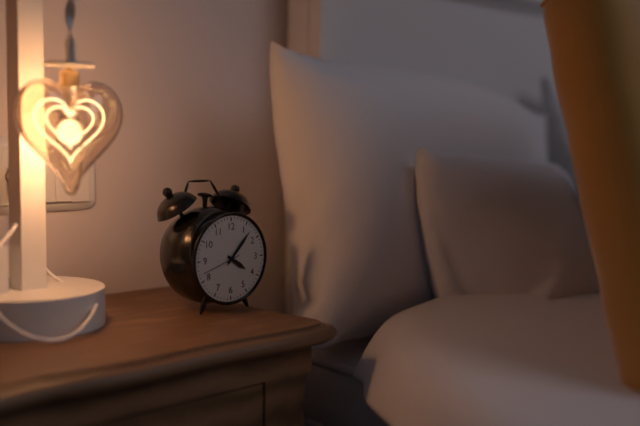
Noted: 4,07
